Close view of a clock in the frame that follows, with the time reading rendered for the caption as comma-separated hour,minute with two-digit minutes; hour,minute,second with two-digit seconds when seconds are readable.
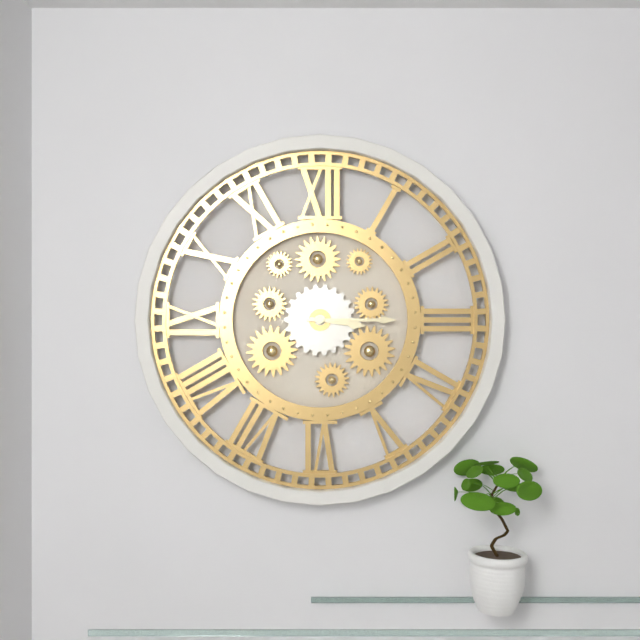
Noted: 3,15
